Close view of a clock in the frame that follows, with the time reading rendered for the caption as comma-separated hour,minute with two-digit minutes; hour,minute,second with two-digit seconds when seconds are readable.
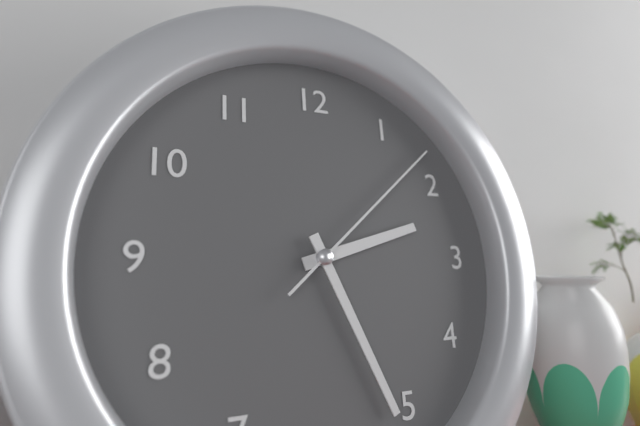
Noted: 2,26,08
